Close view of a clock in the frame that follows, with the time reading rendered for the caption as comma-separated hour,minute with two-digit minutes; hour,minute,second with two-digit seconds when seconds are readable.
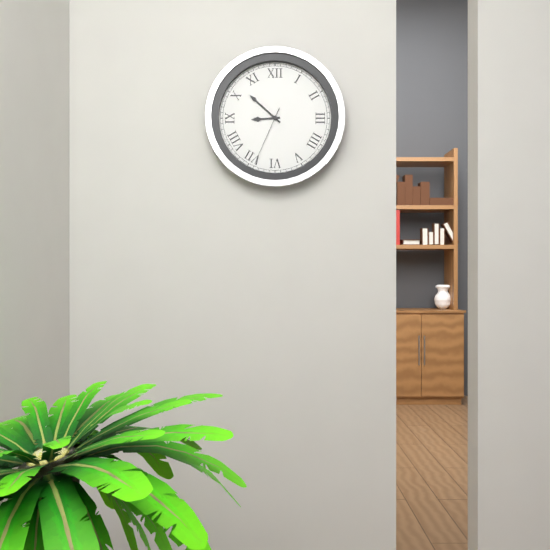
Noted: 8,52,34
